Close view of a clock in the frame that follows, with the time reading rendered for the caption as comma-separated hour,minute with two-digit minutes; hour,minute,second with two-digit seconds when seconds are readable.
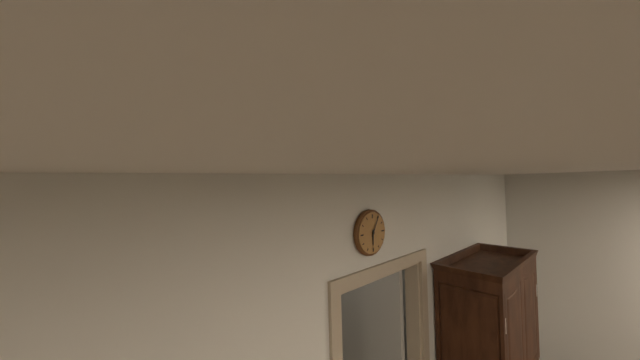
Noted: 6,05
